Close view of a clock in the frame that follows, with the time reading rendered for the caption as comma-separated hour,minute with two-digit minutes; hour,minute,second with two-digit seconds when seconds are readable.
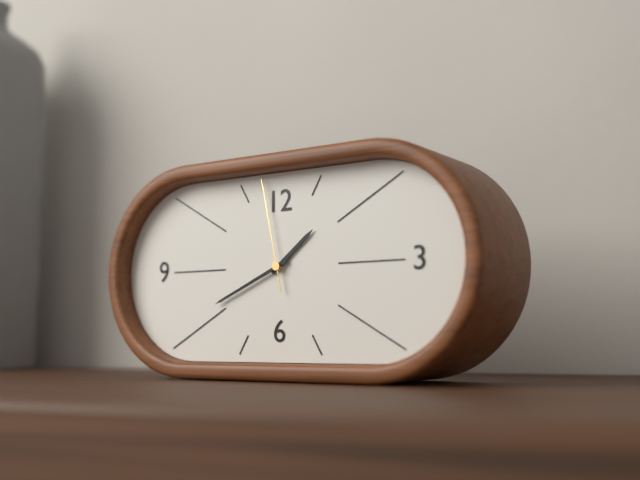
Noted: 1,41,58
